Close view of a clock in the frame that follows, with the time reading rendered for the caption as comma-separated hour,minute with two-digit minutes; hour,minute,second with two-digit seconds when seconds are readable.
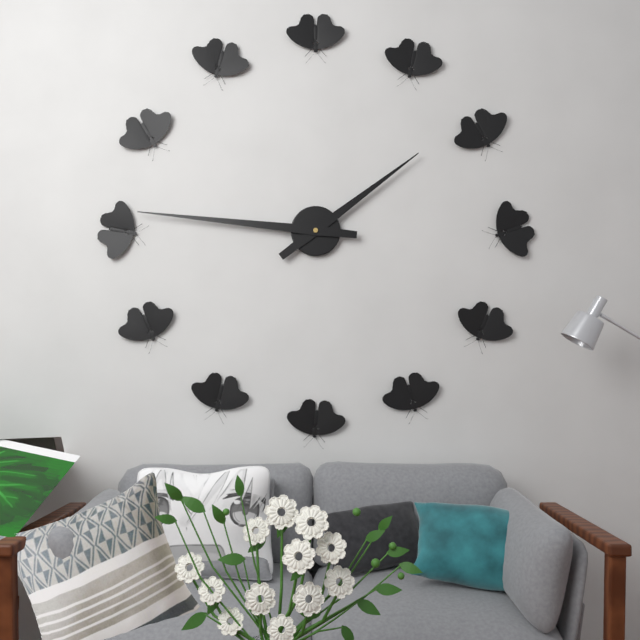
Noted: 1,46
